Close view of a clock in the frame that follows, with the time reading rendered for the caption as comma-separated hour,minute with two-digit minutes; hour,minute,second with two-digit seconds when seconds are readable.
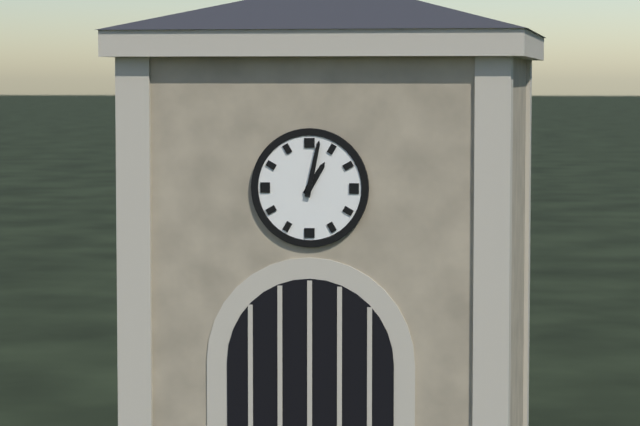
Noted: 1,02
